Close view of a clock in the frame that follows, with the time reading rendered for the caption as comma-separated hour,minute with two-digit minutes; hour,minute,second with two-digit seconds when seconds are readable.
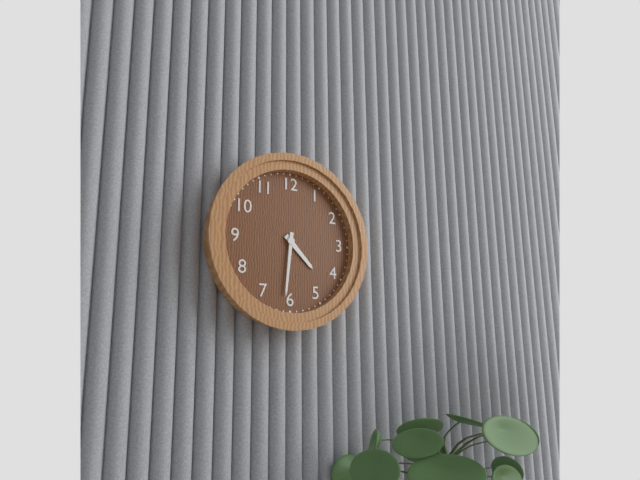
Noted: 4,31
